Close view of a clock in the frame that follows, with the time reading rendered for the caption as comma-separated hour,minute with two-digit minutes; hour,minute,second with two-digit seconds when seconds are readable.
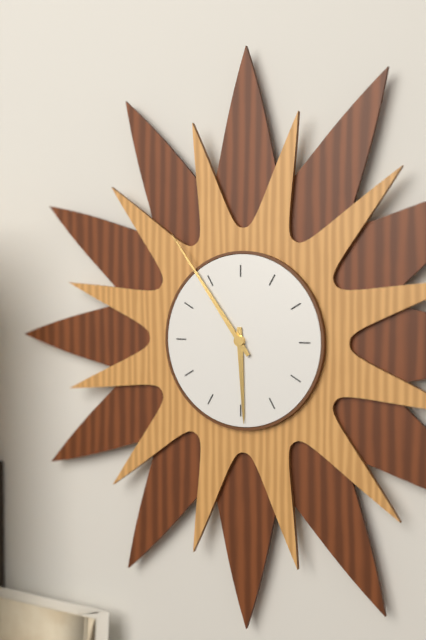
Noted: 5,54
